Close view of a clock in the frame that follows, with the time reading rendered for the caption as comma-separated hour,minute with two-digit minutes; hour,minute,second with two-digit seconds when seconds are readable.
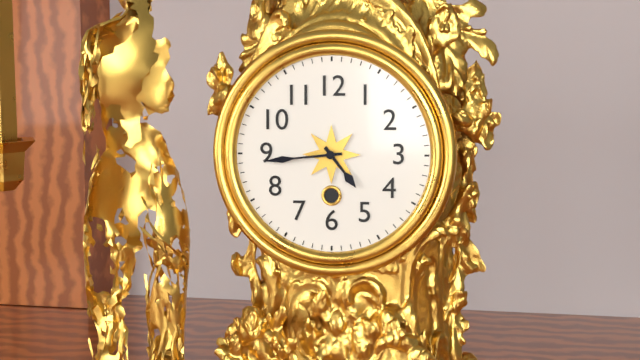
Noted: 4,44
